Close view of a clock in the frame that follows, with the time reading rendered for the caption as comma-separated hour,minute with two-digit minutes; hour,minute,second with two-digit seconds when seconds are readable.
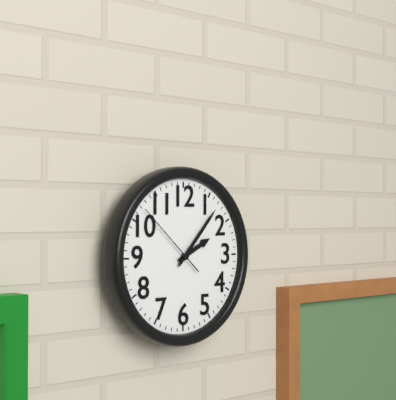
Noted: 2,07,52
